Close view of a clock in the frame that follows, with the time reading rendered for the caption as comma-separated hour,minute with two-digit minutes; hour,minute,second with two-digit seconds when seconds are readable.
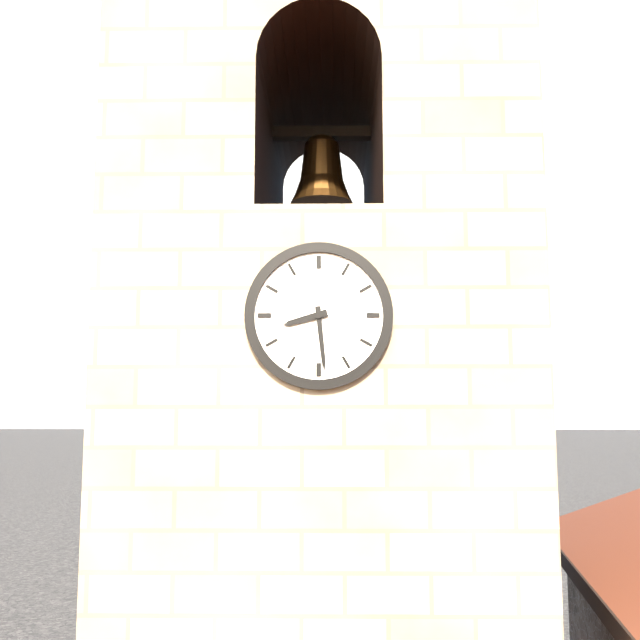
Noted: 8,29
